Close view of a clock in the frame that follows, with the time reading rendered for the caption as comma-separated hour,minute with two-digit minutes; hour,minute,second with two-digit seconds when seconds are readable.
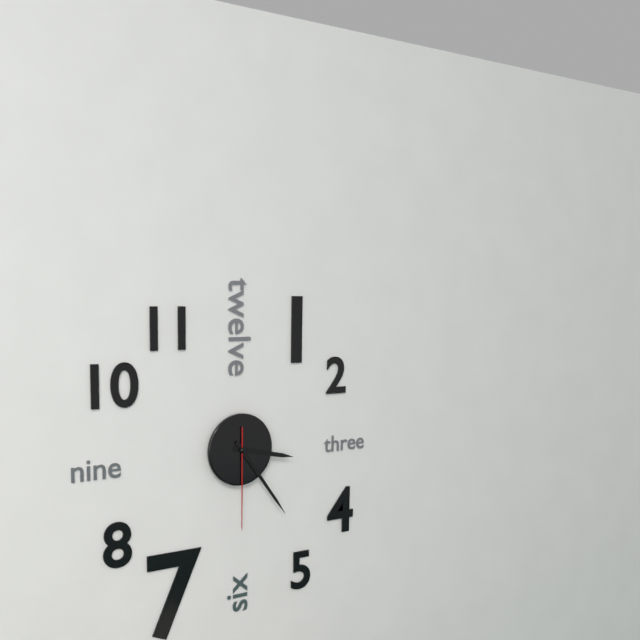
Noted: 3,24,30
